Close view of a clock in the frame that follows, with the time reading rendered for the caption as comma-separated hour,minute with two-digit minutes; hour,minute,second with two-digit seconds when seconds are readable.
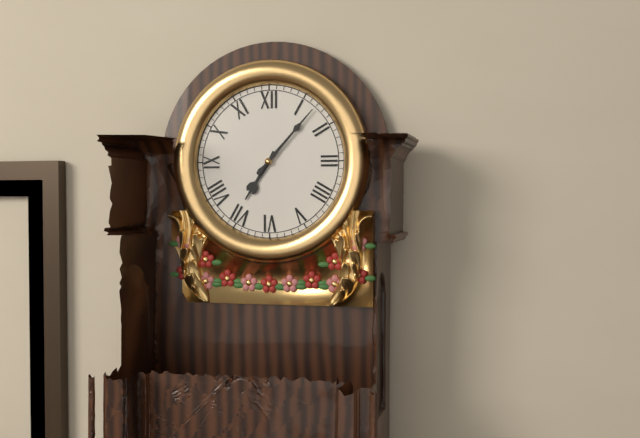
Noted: 7,07
